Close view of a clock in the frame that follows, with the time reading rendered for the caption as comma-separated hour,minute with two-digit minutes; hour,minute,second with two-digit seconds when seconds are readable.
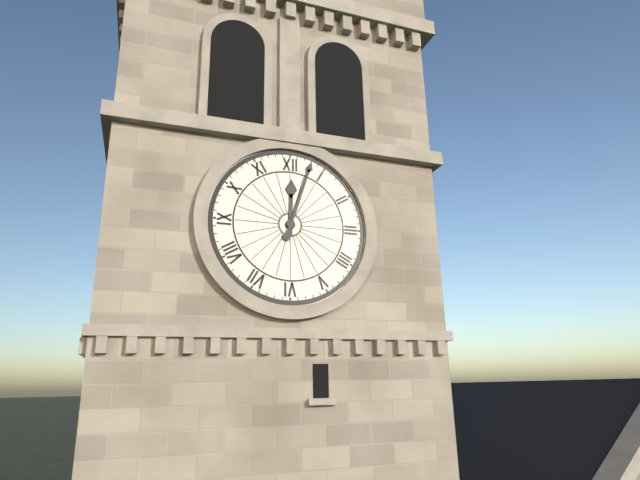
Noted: 12,03
